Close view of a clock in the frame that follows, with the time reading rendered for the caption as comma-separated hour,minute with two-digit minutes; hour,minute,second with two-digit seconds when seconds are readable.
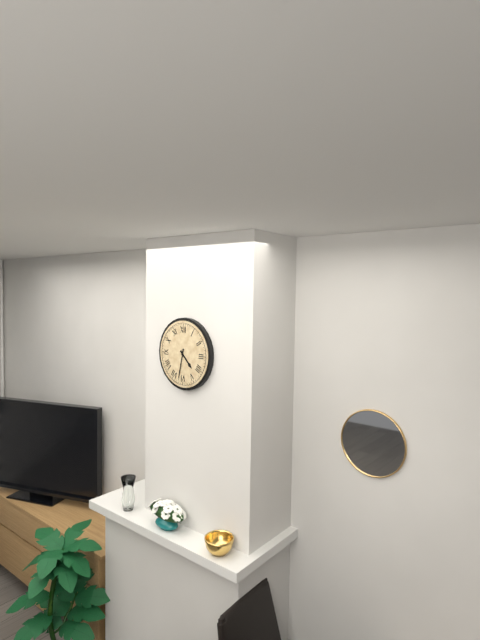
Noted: 4,32
